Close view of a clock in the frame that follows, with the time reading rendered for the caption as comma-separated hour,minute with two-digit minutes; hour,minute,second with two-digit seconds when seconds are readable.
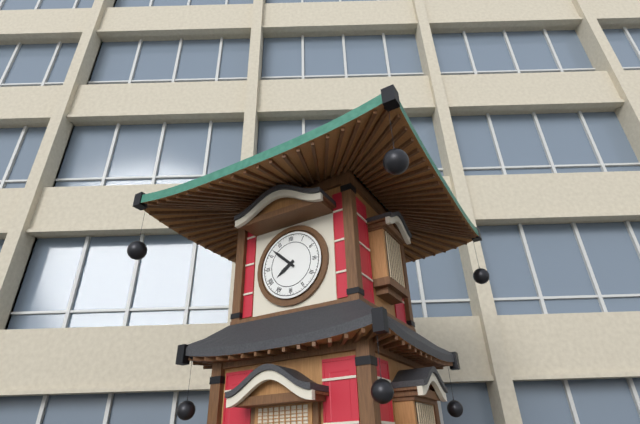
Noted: 7,52
